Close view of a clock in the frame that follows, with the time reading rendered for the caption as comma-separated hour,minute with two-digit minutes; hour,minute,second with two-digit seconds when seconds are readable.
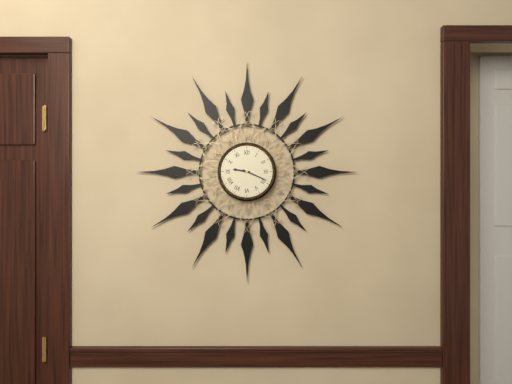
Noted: 9,19
